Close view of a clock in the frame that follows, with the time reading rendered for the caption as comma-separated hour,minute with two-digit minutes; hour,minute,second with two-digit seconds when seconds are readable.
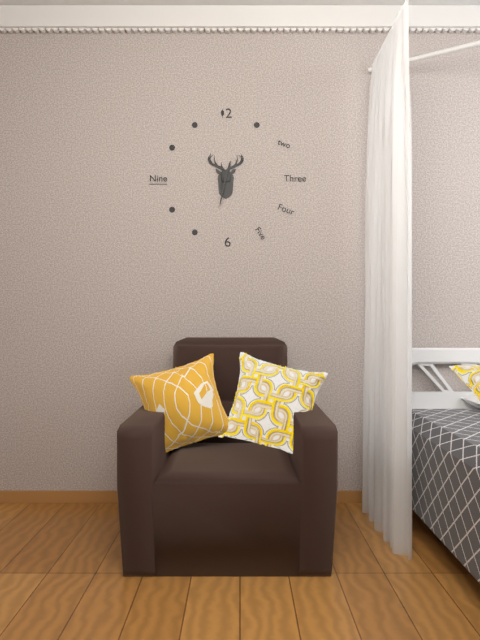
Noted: 12,32
